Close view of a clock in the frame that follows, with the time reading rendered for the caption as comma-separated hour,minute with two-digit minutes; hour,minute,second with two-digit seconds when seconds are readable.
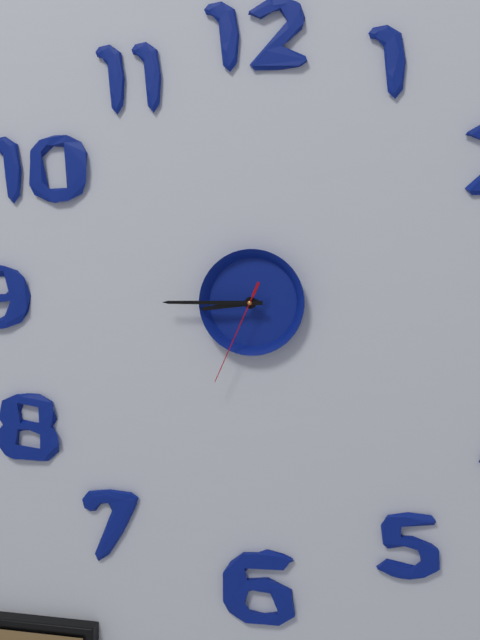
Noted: 8,45,34
